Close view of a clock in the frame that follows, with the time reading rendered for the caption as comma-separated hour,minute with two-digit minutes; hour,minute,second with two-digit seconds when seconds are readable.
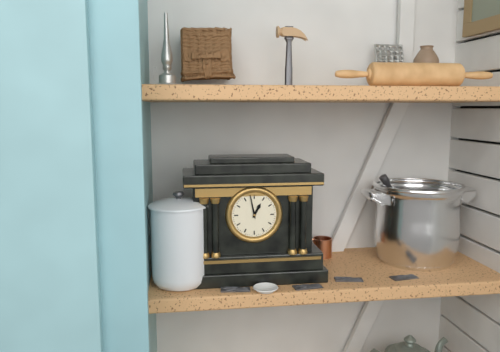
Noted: 12,58
